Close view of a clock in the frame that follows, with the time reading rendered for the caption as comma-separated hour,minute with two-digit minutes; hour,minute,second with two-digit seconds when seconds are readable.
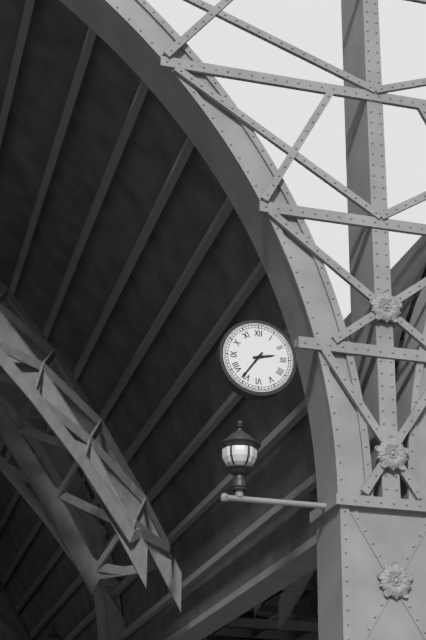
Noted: 2,36
